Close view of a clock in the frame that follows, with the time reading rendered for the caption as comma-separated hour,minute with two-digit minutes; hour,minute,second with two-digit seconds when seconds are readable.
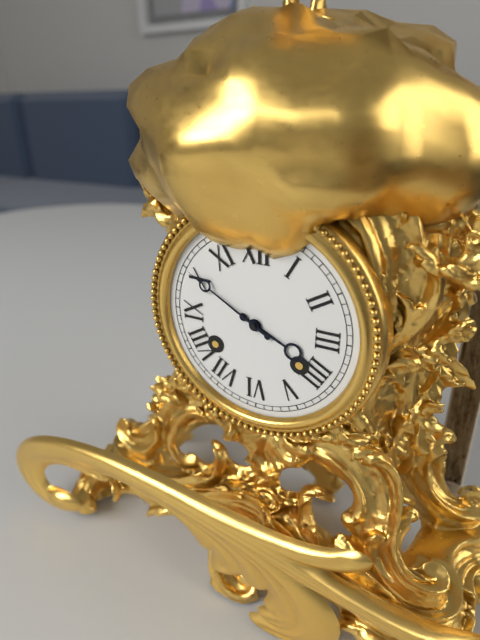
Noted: 3,50
